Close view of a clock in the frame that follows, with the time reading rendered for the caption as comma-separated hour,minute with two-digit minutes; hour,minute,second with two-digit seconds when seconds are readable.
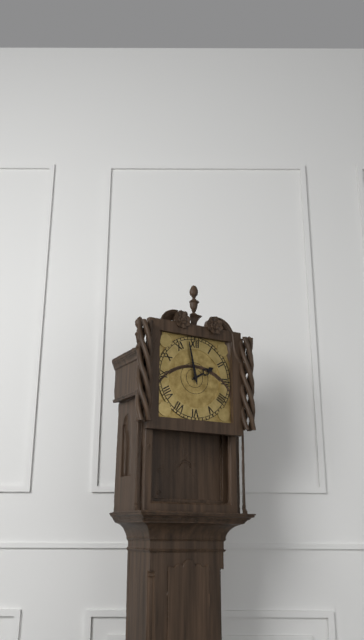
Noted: 1,58
